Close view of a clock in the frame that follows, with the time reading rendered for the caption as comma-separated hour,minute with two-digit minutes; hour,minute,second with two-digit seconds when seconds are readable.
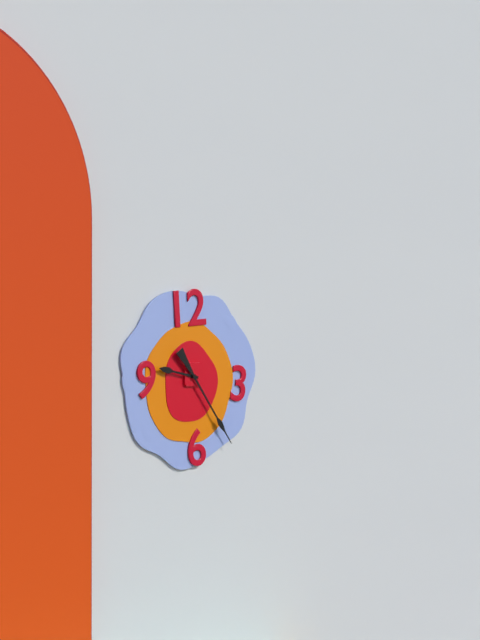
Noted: 9,24
